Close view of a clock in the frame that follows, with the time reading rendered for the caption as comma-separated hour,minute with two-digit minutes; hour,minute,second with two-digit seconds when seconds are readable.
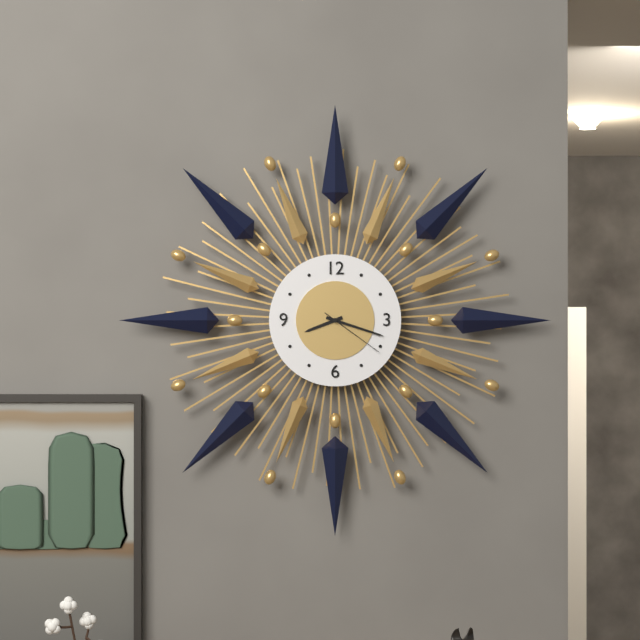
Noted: 8,18,21
